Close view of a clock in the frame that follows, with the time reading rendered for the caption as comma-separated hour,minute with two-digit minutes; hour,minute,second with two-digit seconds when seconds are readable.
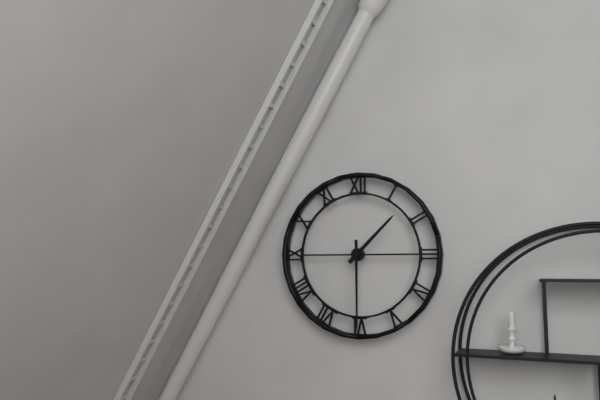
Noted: 1,30
